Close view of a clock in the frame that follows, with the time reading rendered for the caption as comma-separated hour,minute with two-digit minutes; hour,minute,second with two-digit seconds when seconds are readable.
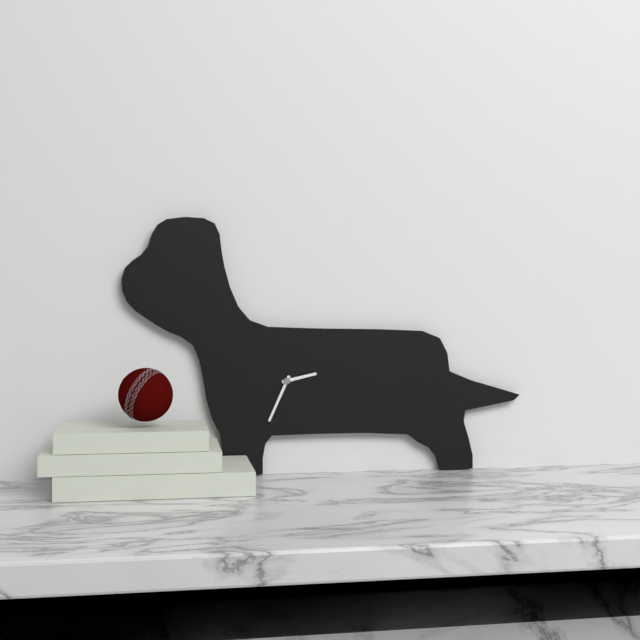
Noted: 2,34
